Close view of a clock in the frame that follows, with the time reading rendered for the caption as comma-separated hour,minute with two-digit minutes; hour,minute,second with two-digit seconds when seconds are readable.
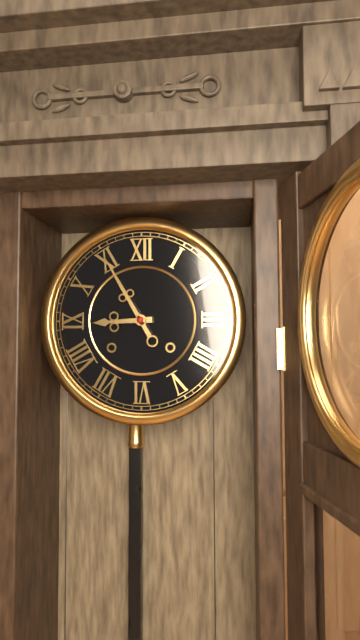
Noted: 8,55
